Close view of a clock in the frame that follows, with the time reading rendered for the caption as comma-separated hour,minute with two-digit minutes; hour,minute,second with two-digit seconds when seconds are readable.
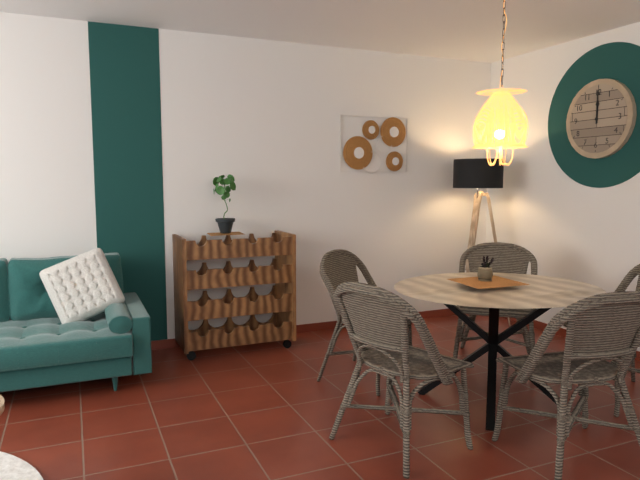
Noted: 12,00
